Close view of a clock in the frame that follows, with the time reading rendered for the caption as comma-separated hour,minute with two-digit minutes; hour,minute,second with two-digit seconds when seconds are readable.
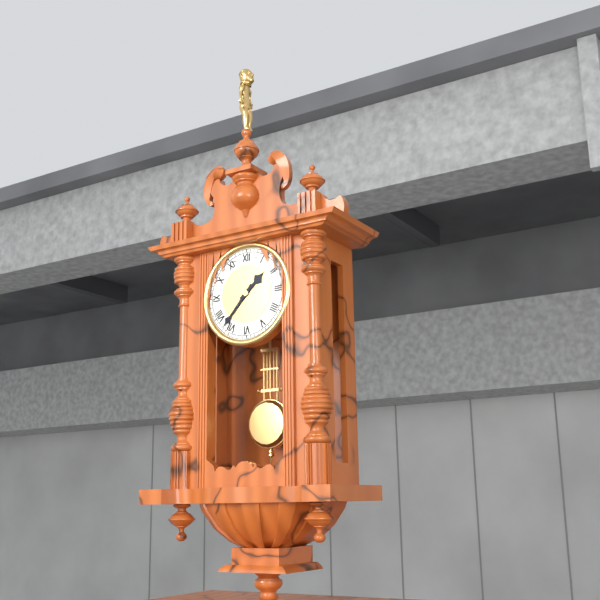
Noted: 1,37
